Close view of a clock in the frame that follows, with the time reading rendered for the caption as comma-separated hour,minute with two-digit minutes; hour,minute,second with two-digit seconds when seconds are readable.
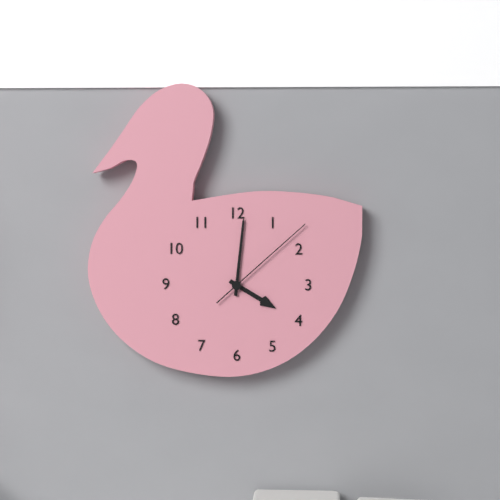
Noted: 4,01,08
